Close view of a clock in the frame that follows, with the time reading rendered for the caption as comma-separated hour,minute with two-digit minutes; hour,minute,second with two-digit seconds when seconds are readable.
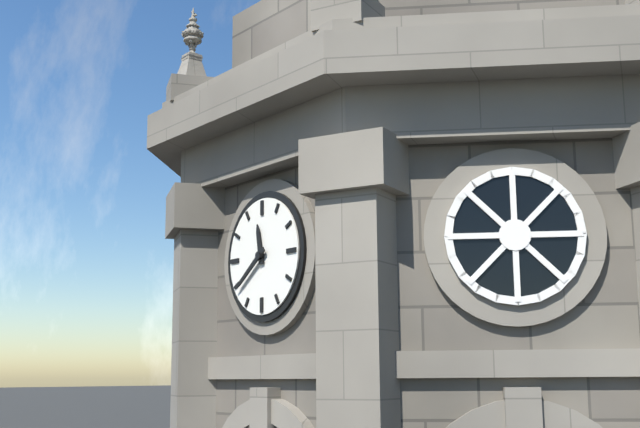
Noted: 11,39
